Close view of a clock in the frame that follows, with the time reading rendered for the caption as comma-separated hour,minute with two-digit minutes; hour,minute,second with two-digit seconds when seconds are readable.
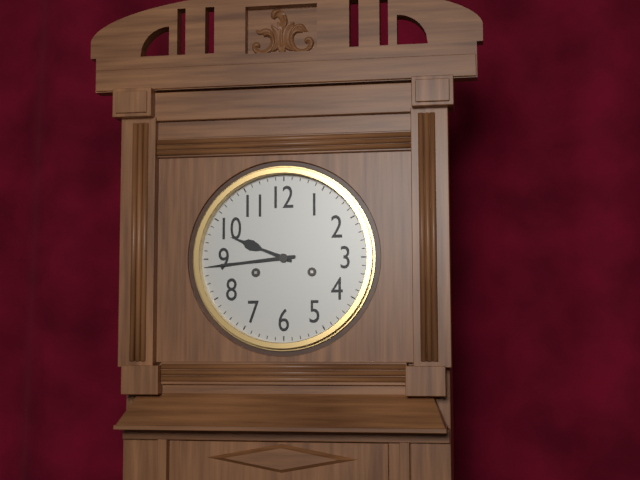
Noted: 9,44
